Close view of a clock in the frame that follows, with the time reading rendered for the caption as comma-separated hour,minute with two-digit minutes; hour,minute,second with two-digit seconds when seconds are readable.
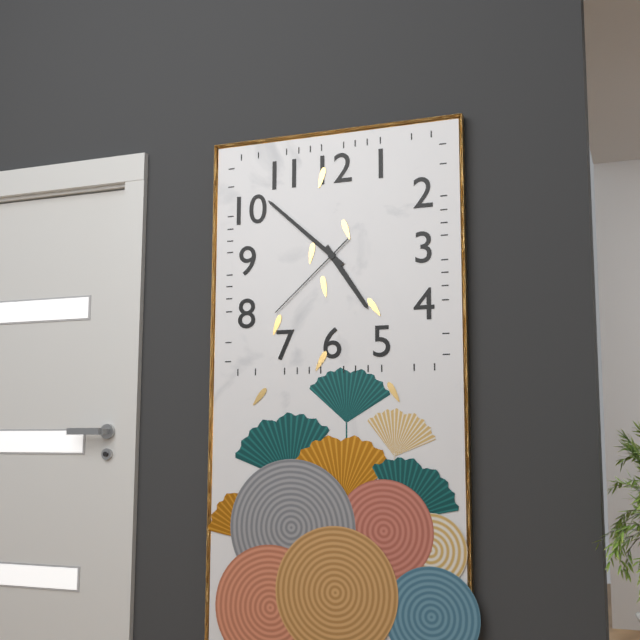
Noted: 4,52,38
